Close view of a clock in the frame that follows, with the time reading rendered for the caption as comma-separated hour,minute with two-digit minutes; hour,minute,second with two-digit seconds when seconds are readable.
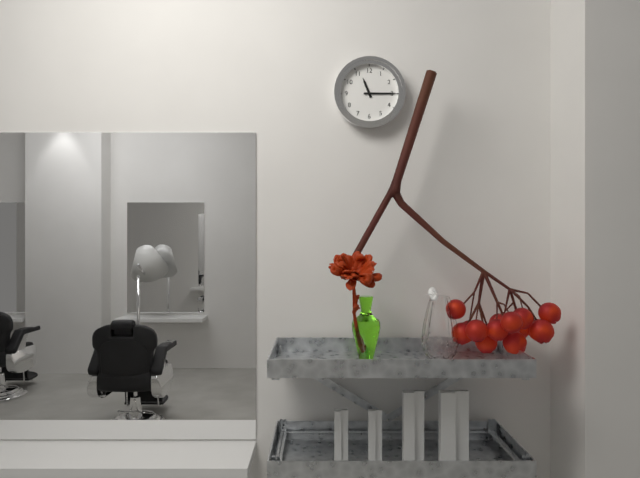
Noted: 11,15
